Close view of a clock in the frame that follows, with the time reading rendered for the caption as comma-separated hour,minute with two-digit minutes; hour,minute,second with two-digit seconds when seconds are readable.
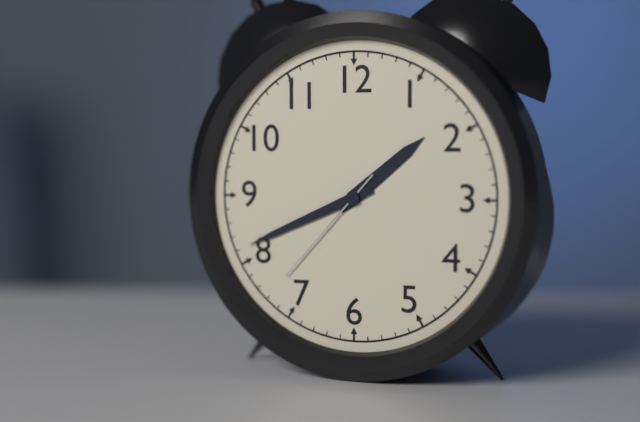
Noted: 1,41,37
